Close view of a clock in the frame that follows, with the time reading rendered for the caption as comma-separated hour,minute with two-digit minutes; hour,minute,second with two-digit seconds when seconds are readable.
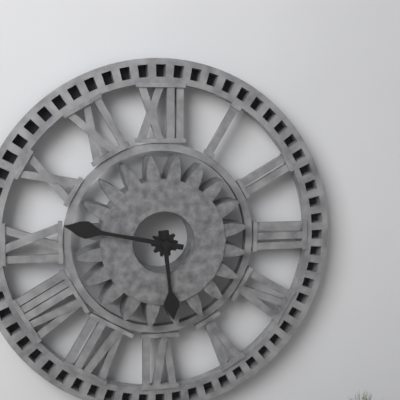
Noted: 5,47
